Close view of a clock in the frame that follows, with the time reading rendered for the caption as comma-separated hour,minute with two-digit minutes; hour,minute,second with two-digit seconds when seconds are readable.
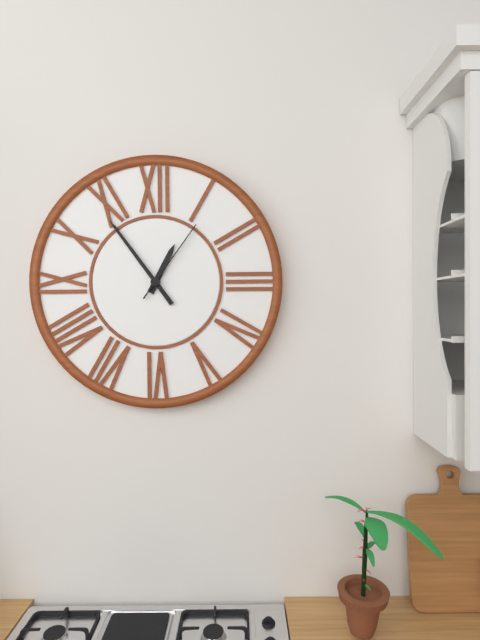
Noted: 12,54,06
